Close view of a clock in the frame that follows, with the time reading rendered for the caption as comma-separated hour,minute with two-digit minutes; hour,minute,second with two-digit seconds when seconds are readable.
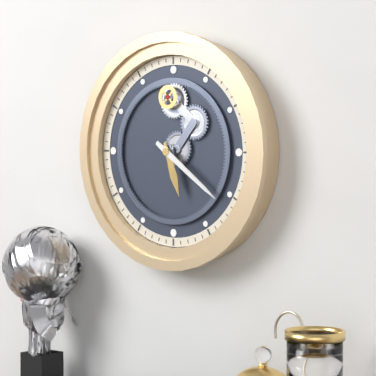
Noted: 5,21
